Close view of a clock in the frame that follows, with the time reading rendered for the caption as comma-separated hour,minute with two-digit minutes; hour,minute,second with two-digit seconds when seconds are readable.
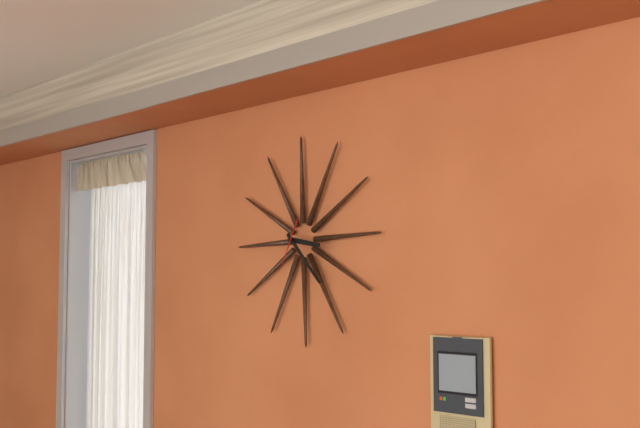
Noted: 3,23
